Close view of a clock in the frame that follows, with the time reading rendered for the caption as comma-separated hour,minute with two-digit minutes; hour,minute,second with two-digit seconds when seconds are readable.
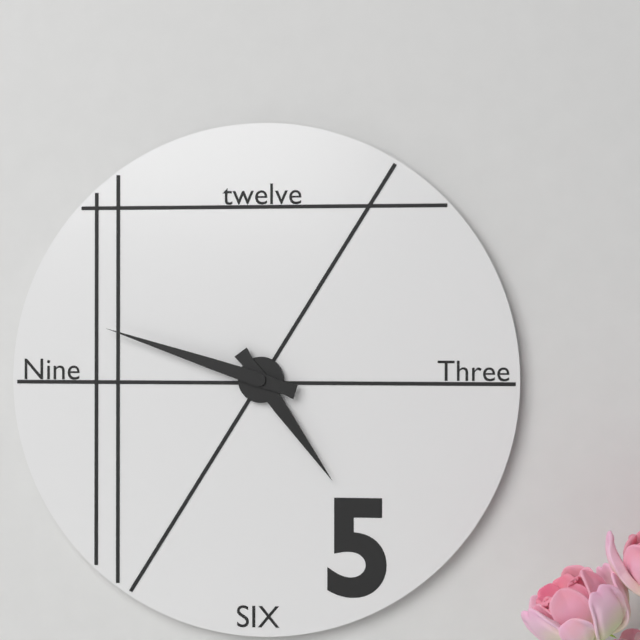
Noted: 4,48
